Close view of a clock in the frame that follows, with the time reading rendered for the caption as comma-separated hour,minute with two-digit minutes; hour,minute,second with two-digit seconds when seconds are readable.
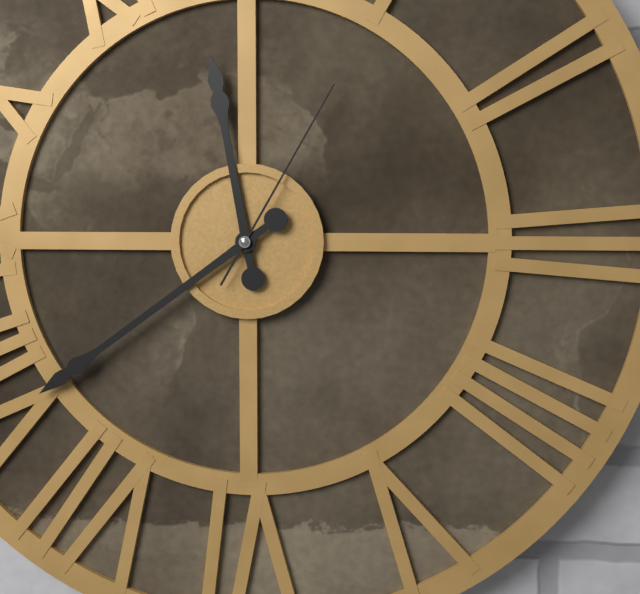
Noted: 11,39,05
